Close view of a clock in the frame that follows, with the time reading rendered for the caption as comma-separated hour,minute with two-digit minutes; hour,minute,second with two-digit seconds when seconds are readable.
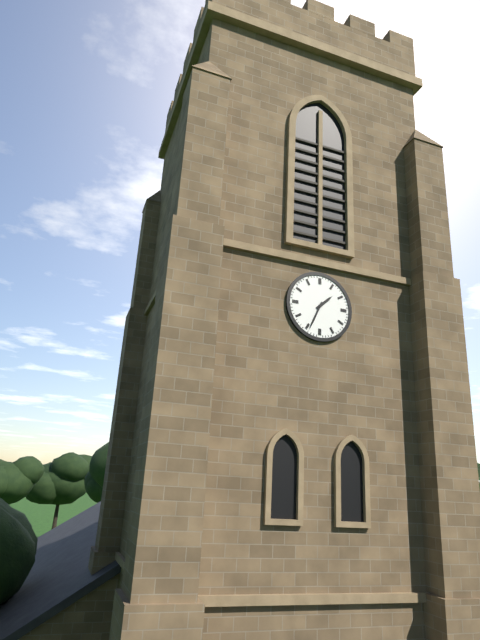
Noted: 1,34
